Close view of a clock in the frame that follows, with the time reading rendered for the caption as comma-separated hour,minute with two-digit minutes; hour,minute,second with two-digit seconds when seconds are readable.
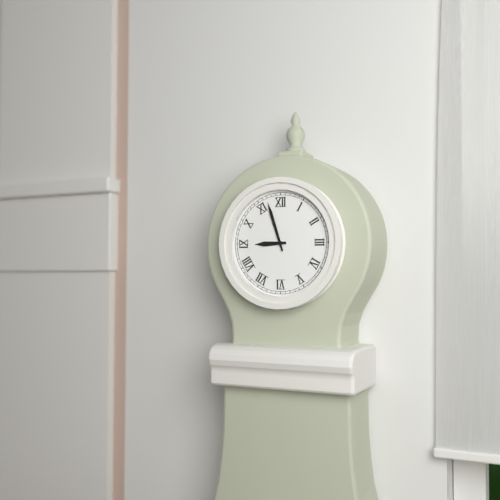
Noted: 8,57
